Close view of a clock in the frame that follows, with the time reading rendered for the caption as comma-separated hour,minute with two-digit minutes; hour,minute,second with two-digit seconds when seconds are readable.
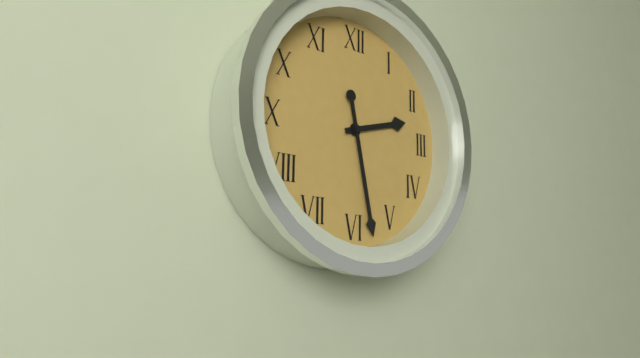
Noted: 2,28
